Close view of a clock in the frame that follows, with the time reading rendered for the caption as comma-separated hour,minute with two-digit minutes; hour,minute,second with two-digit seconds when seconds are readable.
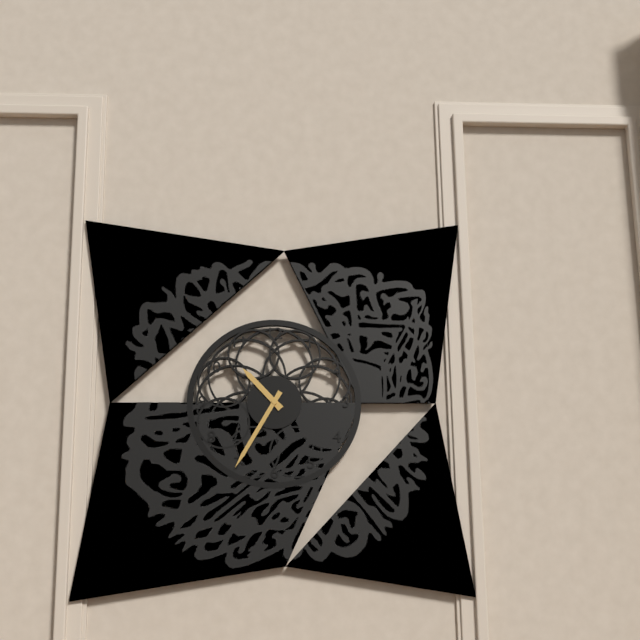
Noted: 10,35
